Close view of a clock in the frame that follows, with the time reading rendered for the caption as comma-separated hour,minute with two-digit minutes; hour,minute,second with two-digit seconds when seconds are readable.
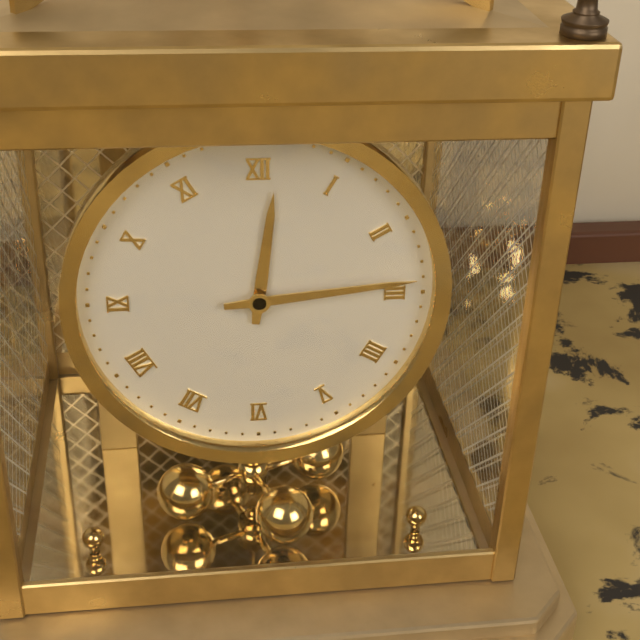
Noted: 12,14
